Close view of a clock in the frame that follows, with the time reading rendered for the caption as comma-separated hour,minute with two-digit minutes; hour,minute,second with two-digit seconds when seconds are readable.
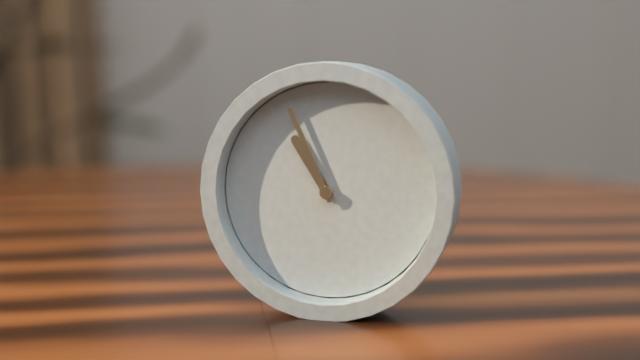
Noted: 10,56
